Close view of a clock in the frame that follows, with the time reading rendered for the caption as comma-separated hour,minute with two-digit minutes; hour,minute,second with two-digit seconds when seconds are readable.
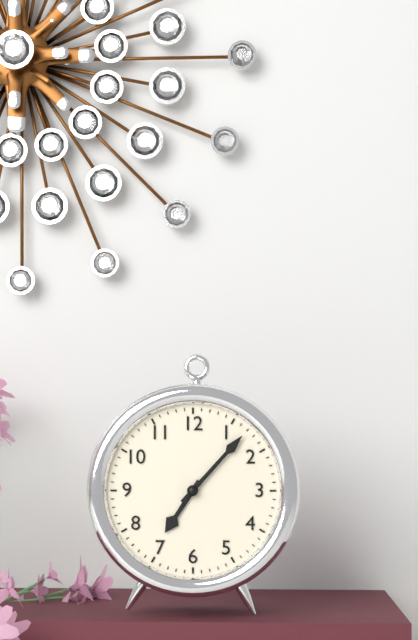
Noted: 7,07
